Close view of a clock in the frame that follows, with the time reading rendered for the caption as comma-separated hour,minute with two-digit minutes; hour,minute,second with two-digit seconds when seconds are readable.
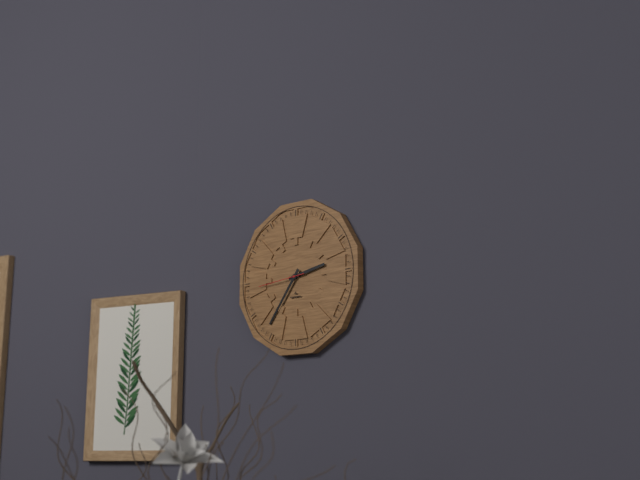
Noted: 2,36
